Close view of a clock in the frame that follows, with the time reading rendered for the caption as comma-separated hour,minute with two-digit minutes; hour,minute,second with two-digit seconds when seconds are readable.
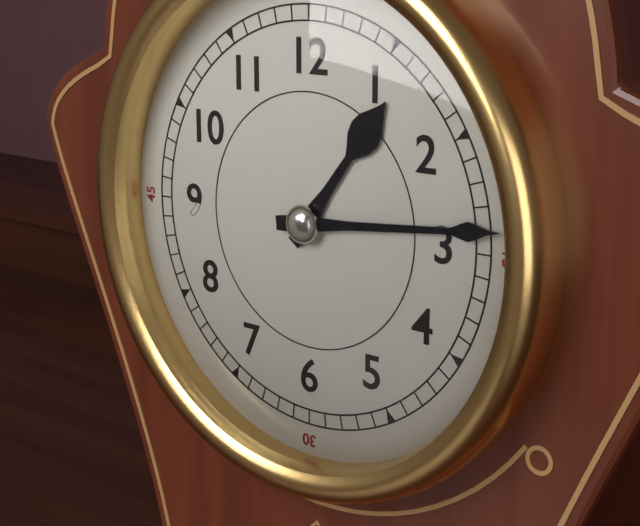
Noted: 1,14
